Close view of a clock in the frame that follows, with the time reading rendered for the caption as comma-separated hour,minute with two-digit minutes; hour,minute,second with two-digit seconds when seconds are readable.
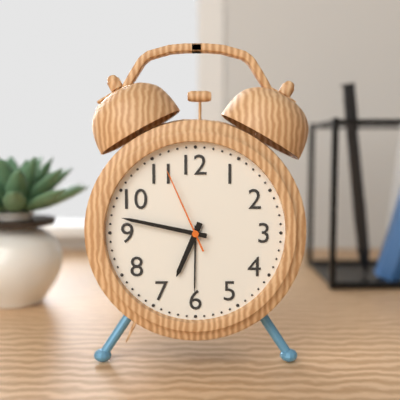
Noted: 6,47,56
